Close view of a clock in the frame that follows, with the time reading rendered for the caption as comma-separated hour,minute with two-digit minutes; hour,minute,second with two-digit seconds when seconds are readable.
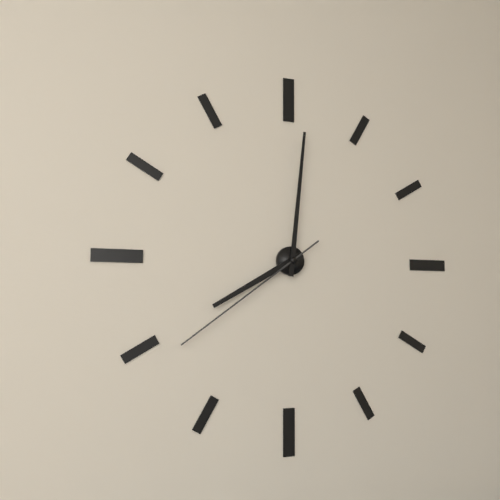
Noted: 8,01,39
